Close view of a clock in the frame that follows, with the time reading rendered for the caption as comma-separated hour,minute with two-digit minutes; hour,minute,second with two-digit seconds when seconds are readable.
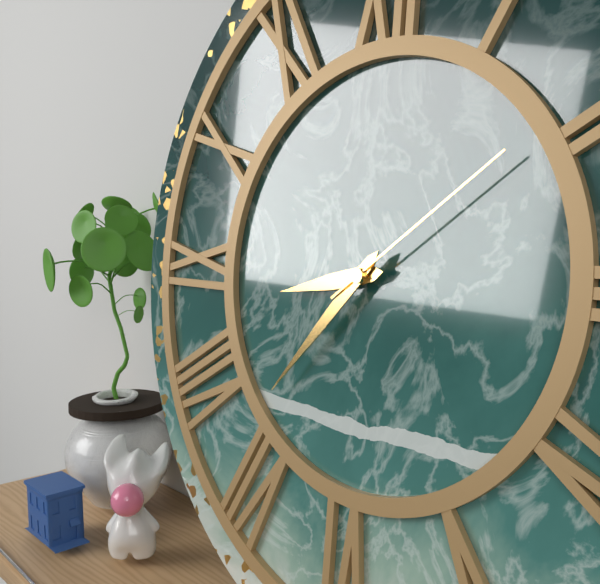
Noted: 8,37,09
